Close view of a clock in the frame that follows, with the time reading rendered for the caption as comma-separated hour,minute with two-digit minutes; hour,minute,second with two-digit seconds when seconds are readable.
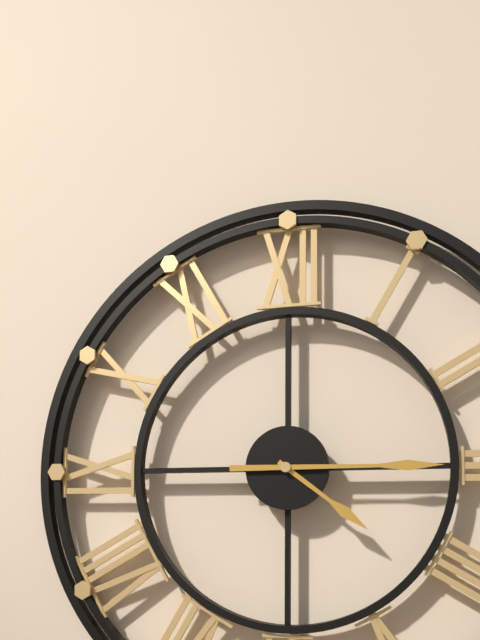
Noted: 4,15
